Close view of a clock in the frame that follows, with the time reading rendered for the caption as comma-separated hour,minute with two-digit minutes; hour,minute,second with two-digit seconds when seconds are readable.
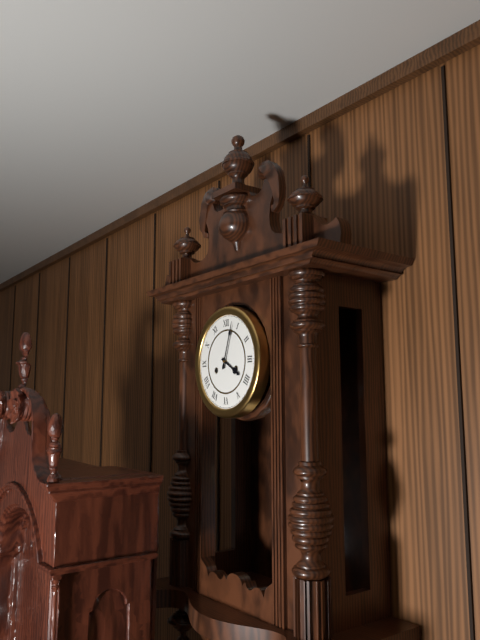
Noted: 4,03
